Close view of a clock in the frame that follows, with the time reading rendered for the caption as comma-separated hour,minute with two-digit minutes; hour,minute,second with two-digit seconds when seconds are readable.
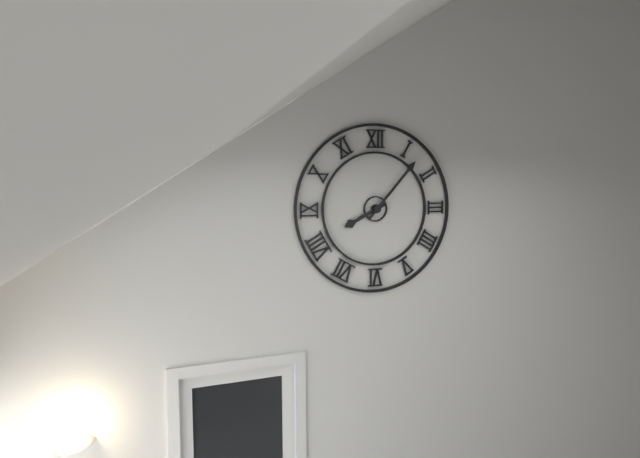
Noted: 8,07
